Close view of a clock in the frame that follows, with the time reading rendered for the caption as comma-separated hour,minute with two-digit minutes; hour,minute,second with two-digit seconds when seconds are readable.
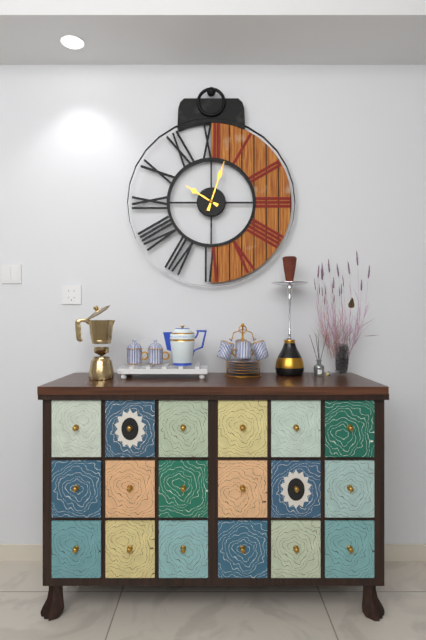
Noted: 10,03
